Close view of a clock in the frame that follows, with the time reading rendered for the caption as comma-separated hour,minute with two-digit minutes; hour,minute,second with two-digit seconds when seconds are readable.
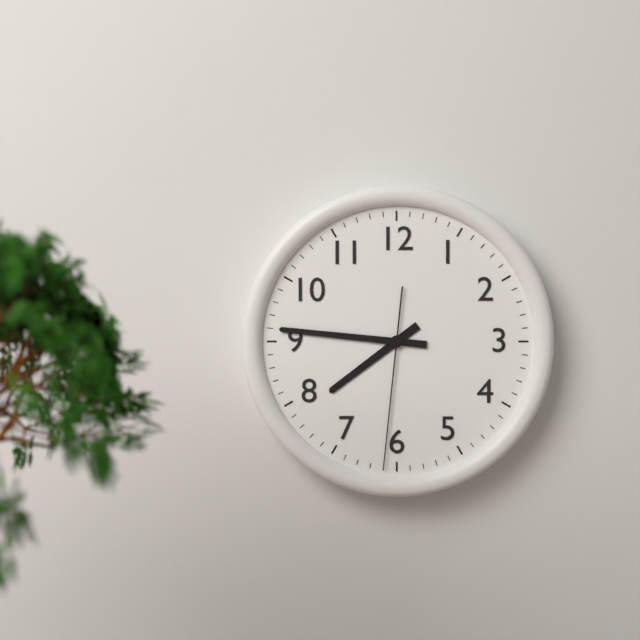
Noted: 7,46,31
